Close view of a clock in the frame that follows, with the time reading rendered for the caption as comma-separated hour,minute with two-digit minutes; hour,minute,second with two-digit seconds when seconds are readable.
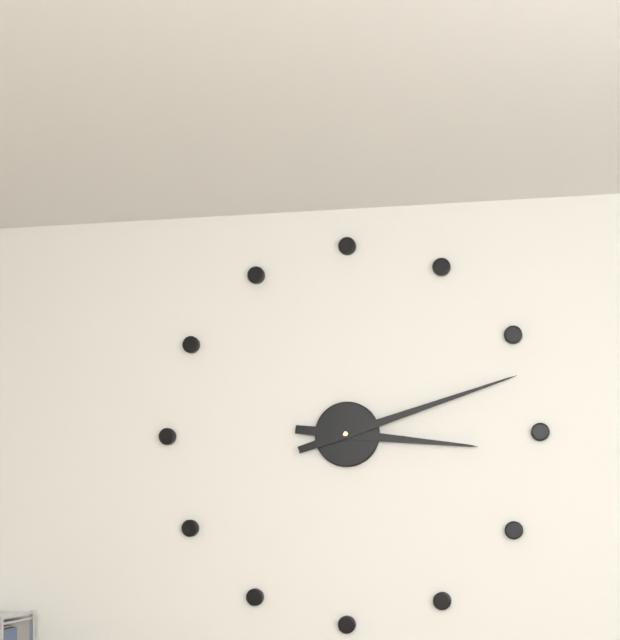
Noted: 3,12
